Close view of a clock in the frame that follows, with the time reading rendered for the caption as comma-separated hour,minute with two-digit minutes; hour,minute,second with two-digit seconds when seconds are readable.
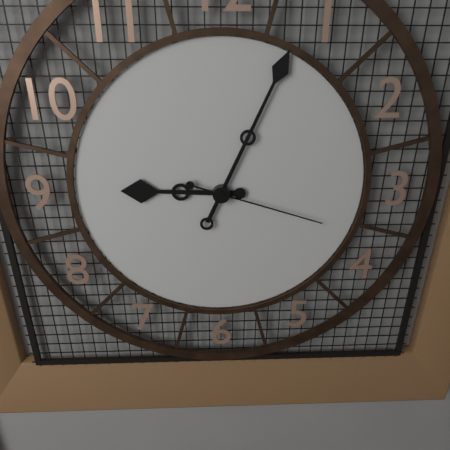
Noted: 9,04,18
